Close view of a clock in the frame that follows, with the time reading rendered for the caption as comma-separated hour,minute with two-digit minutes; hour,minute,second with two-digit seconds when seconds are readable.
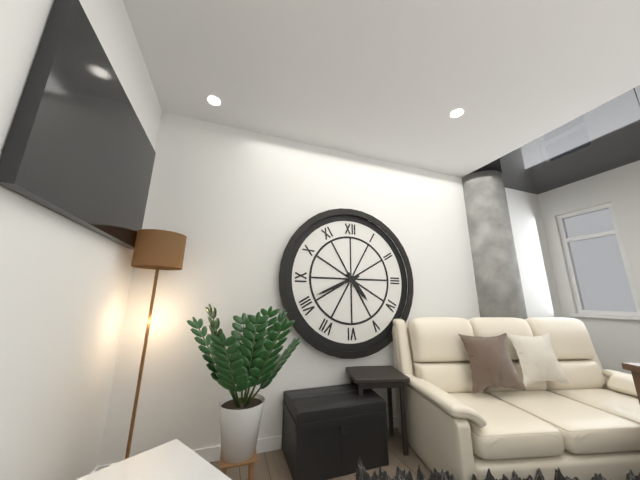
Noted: 4,41
